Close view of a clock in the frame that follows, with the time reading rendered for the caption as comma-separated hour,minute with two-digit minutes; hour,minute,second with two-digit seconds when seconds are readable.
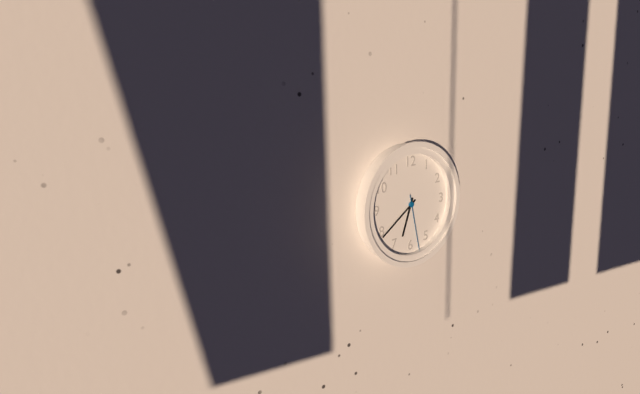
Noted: 6,39,28
